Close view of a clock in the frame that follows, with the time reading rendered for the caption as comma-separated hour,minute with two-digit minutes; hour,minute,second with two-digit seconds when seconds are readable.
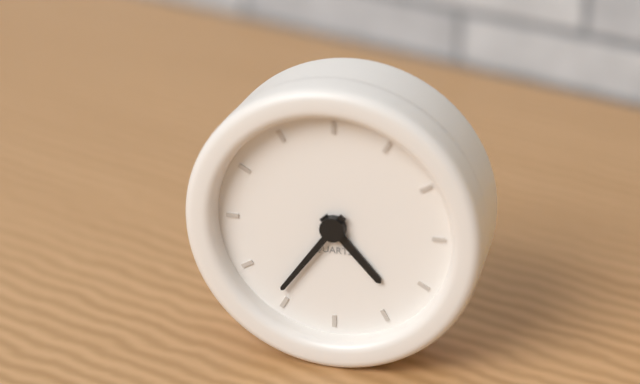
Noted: 4,36
